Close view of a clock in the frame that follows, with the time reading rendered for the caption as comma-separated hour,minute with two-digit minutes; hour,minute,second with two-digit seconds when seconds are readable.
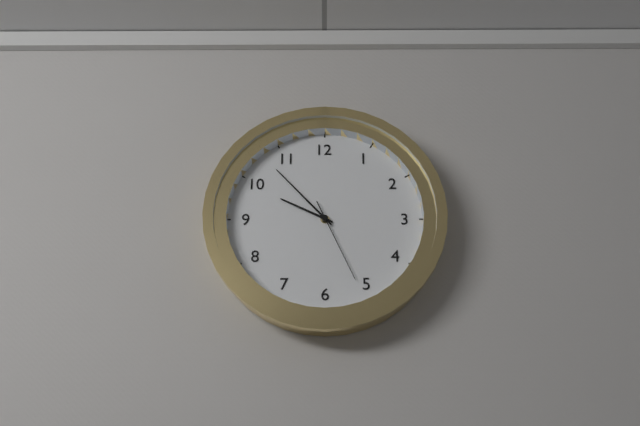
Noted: 9,53,26
